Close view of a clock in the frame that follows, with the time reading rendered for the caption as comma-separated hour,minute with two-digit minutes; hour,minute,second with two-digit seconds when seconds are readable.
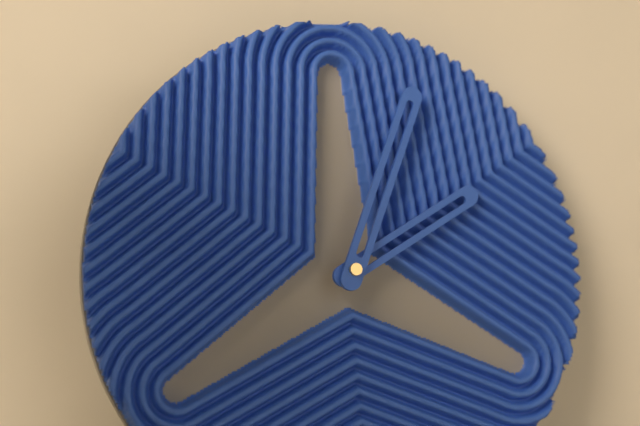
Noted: 2,04
